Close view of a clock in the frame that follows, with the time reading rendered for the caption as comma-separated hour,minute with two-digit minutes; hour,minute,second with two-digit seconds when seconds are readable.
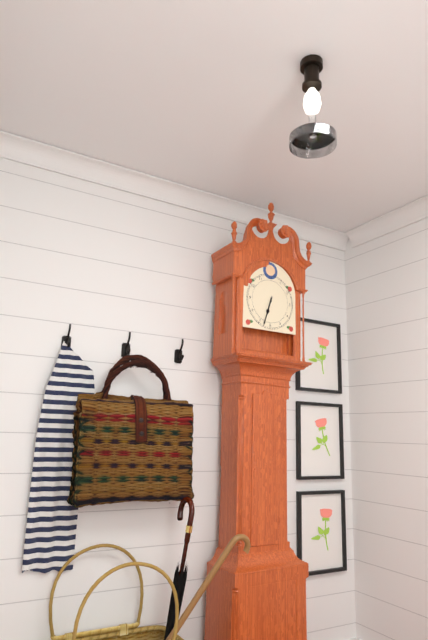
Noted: 6,33
